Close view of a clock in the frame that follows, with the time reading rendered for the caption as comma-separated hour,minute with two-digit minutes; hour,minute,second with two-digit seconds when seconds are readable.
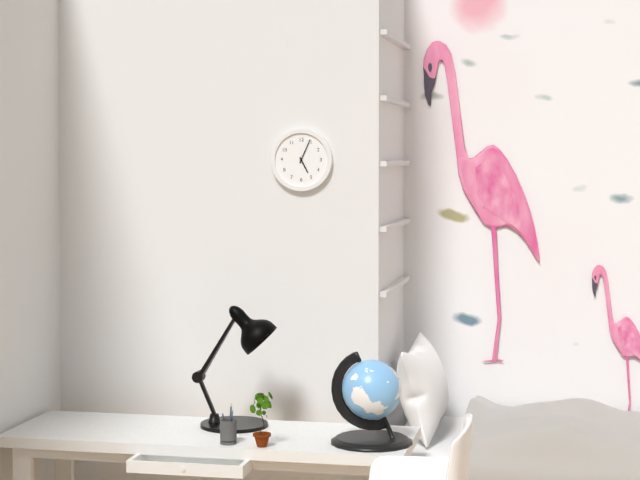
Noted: 5,04
